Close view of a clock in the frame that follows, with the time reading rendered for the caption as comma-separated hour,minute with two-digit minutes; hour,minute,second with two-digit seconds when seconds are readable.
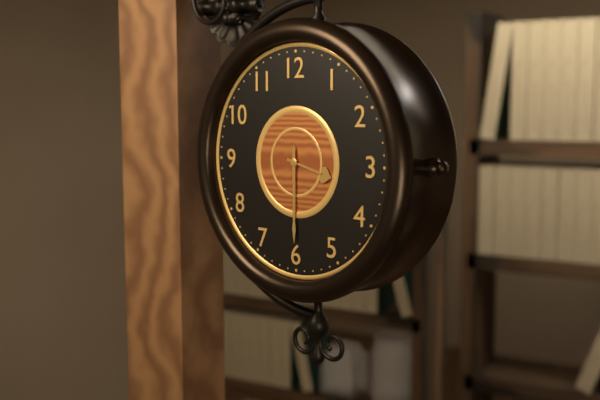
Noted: 3,30
